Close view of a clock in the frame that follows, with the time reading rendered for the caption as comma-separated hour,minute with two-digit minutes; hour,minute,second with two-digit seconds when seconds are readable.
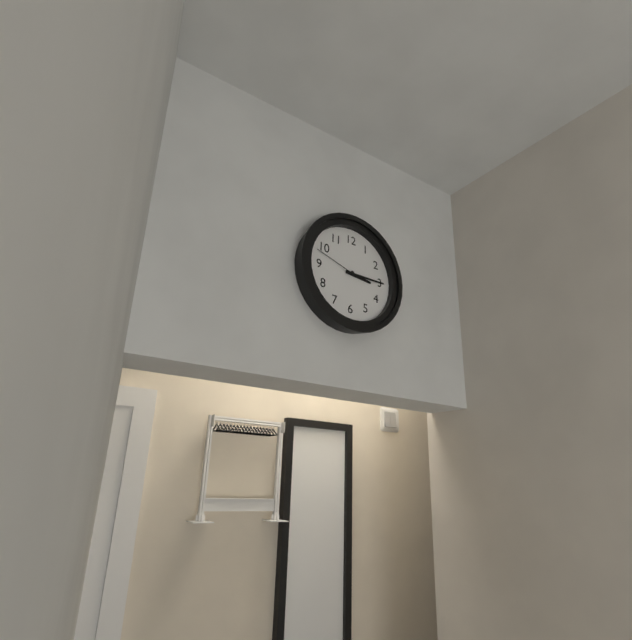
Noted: 3,15,48
